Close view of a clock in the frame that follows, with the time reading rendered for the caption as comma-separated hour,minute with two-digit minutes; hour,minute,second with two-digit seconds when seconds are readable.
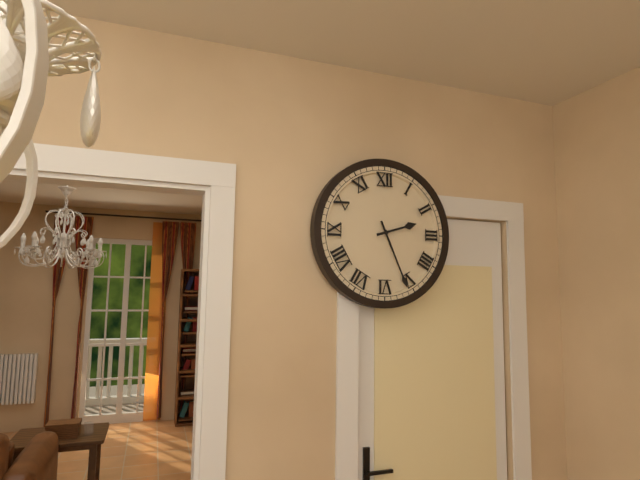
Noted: 2,26
